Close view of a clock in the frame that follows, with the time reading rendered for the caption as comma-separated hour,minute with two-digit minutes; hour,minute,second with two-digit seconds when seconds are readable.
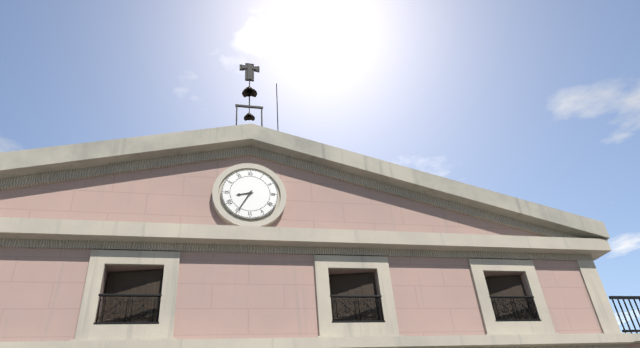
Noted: 8,35
